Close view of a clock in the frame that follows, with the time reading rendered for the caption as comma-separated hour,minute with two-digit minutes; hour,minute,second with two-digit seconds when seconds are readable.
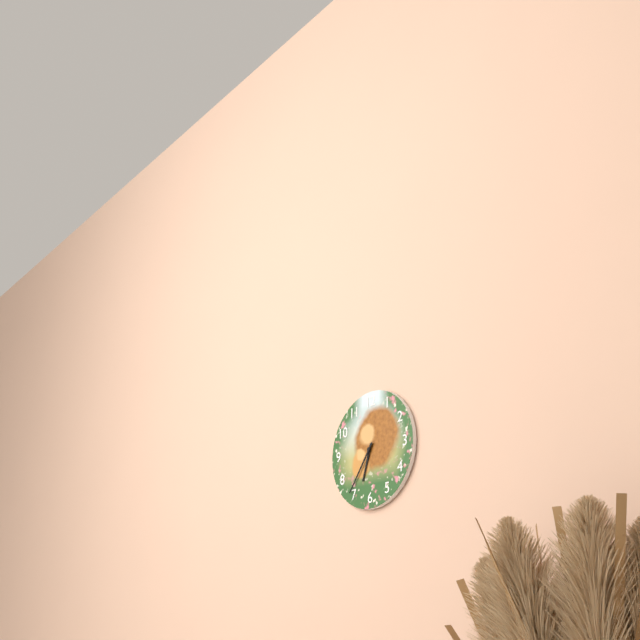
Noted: 6,36
